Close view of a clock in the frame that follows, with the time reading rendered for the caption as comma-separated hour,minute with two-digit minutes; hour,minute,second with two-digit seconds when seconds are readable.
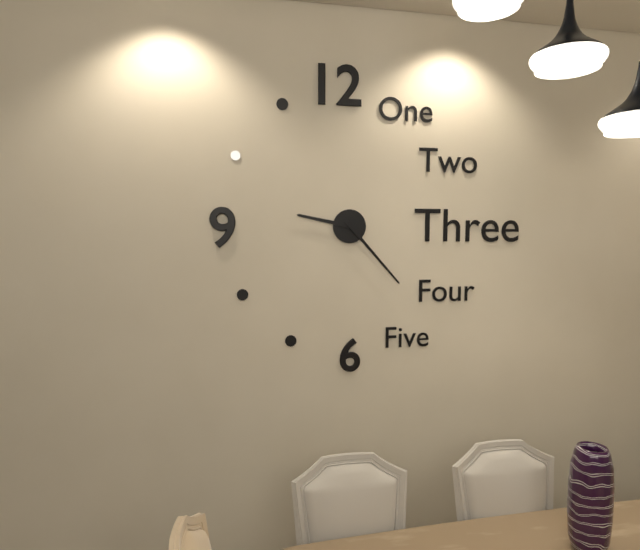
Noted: 9,23
